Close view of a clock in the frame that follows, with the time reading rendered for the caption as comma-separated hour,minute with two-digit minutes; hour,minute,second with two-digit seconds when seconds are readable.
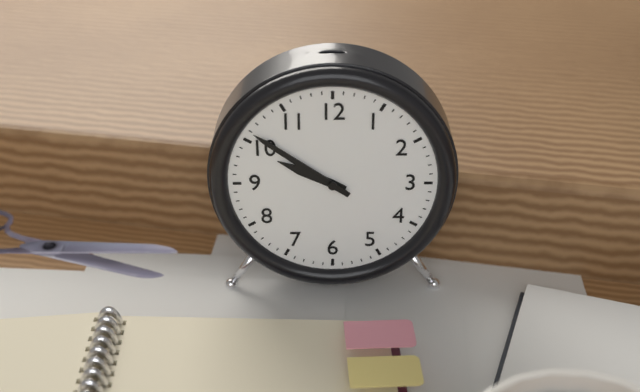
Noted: 9,51
